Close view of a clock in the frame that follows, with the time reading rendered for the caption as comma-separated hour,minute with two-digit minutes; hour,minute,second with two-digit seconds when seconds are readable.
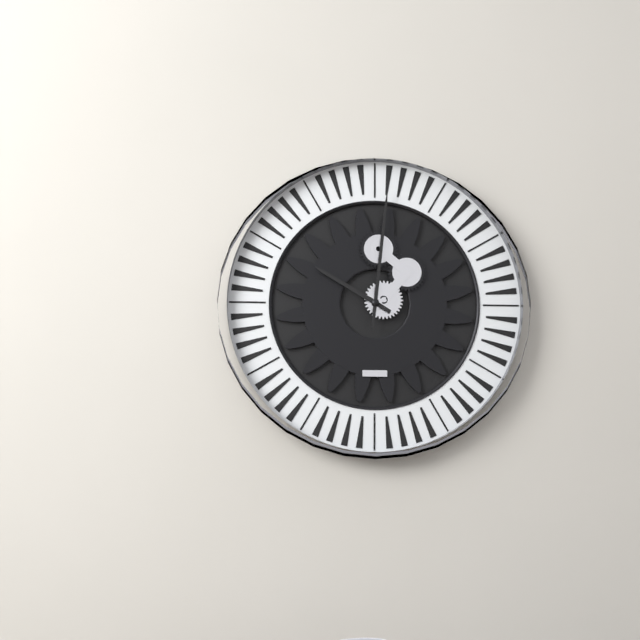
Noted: 10,01
